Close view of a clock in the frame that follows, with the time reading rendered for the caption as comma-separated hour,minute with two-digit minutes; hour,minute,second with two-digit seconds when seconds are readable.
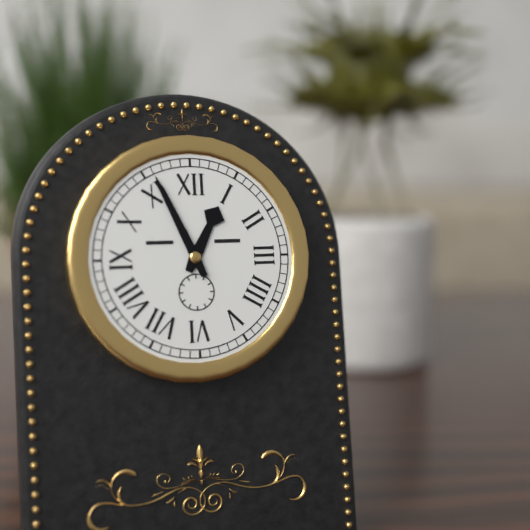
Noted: 12,56
